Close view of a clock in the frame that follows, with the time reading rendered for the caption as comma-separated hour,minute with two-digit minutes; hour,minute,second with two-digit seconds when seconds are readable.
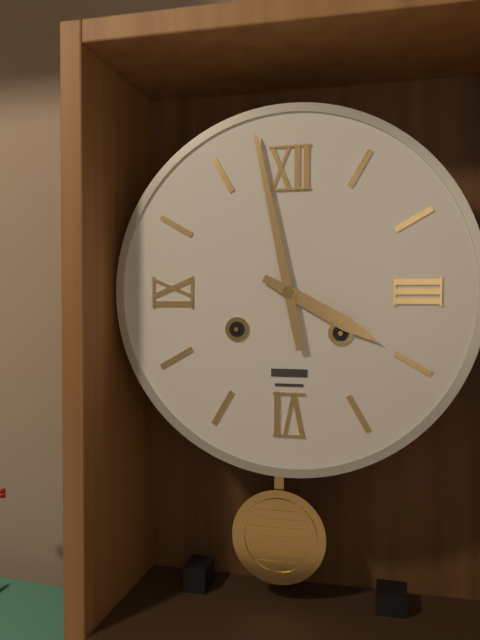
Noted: 3,58
